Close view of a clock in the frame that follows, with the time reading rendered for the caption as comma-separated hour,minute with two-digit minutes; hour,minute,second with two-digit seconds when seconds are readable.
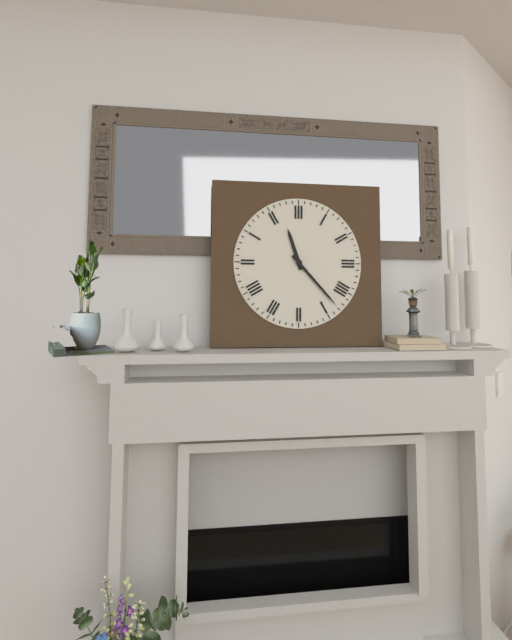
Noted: 11,23
